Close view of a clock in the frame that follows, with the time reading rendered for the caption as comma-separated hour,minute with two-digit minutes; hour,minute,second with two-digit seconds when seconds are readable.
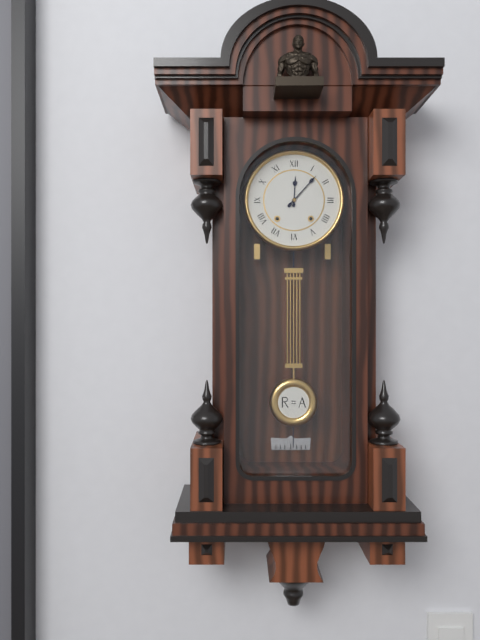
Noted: 12,07
